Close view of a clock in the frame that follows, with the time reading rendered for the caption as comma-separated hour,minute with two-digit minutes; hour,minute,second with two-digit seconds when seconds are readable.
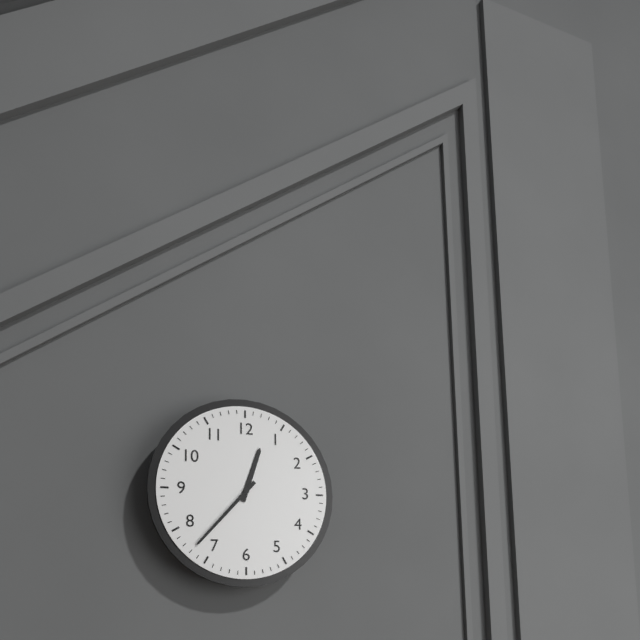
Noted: 12,37
